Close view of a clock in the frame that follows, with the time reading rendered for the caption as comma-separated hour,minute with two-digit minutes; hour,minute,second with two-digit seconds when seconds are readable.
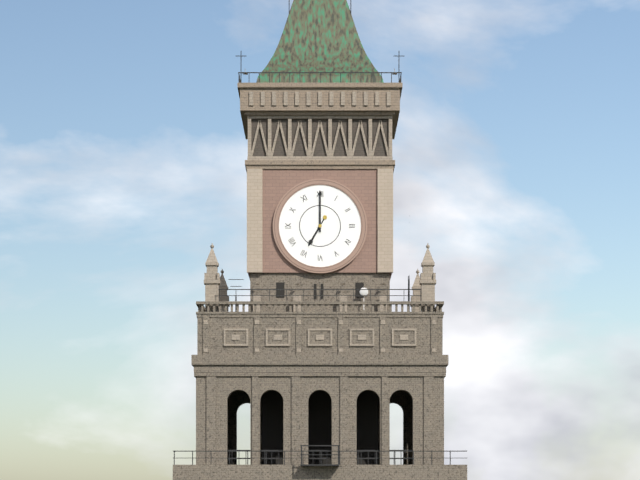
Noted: 7,00
